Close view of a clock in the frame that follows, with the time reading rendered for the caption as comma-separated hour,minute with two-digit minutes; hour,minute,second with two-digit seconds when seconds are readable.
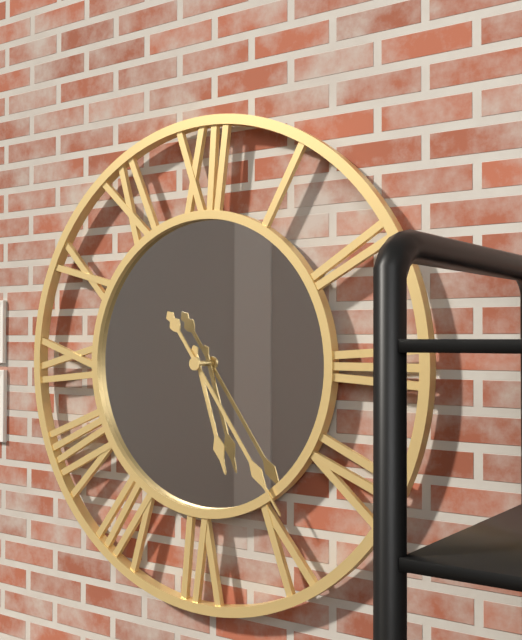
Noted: 5,24
